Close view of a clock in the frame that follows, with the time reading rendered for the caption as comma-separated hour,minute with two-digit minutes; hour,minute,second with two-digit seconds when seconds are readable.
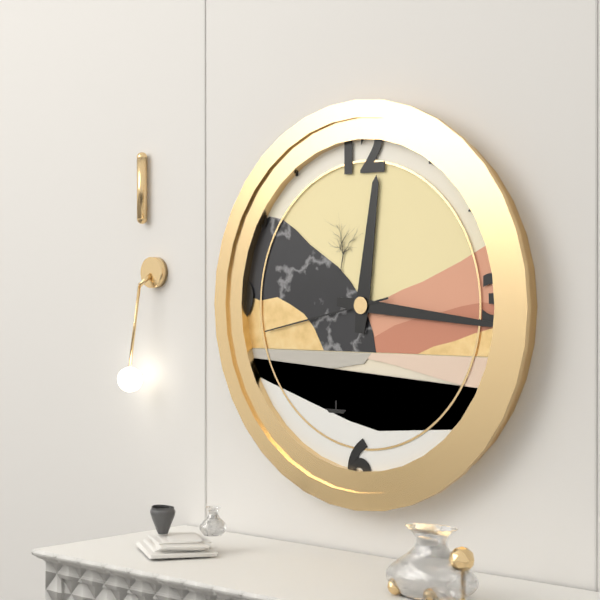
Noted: 12,16,43
